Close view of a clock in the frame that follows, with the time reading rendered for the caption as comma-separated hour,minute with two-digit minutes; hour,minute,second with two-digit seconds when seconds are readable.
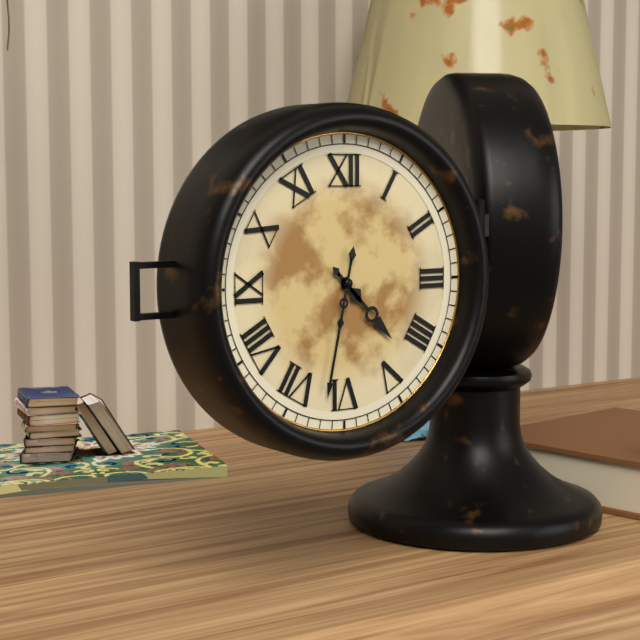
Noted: 4,32
